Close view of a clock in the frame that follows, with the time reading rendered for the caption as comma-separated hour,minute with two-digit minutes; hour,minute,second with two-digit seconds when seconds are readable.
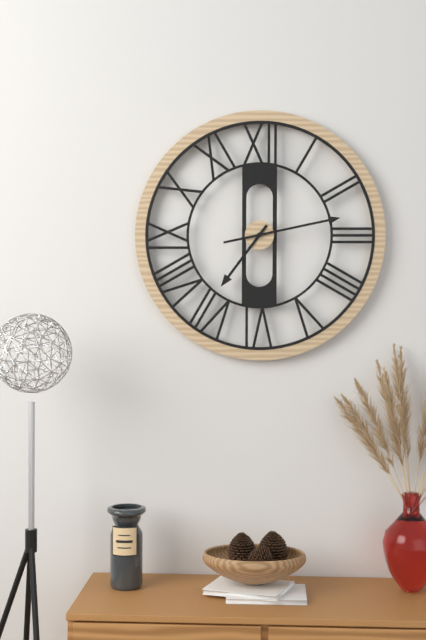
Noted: 7,13
